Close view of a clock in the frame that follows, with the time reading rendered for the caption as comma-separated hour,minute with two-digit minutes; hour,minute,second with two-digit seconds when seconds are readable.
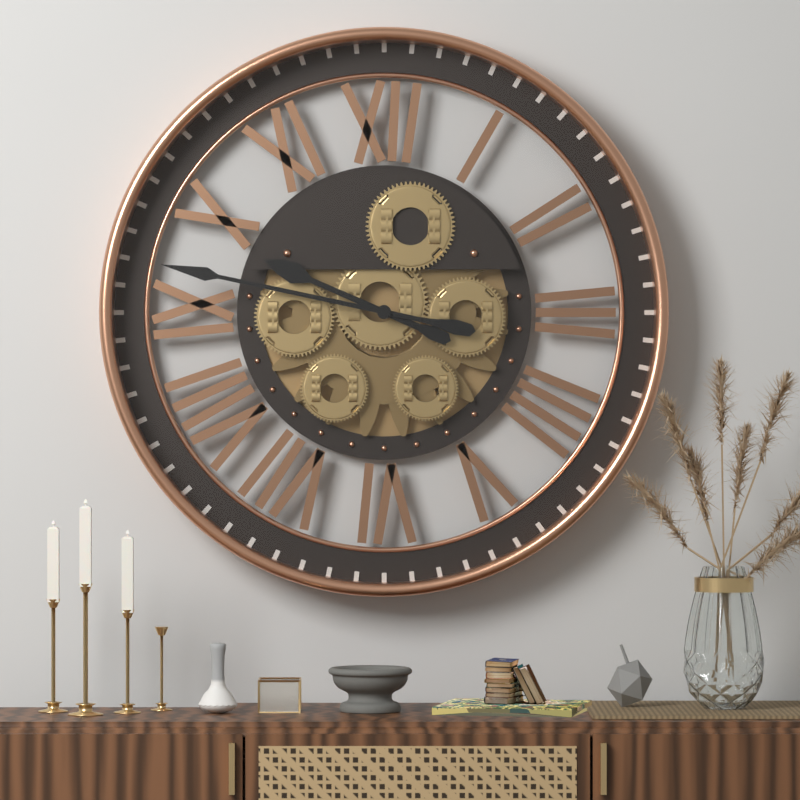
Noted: 9,47
